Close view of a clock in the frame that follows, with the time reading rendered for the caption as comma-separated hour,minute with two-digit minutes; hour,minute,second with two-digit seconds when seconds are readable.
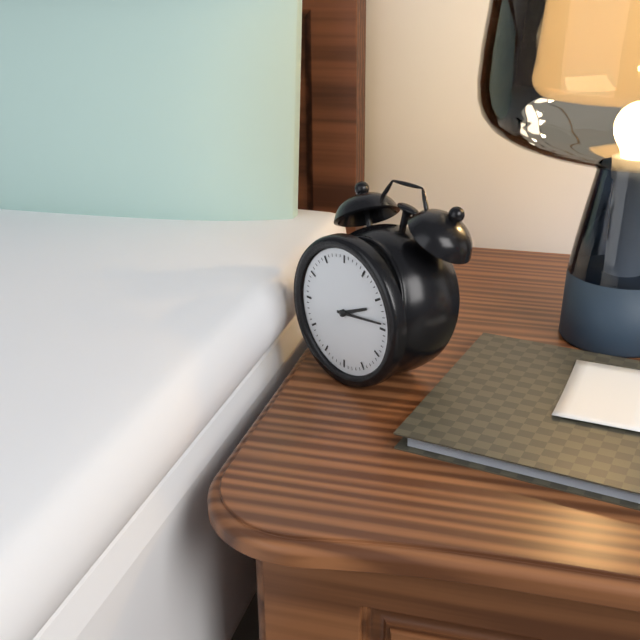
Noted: 2,14
